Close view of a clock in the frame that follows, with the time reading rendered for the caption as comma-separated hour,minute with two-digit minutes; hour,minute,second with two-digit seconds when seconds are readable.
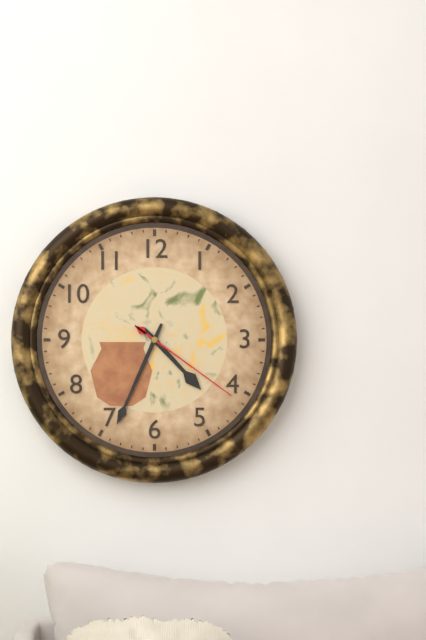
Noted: 4,34,21
